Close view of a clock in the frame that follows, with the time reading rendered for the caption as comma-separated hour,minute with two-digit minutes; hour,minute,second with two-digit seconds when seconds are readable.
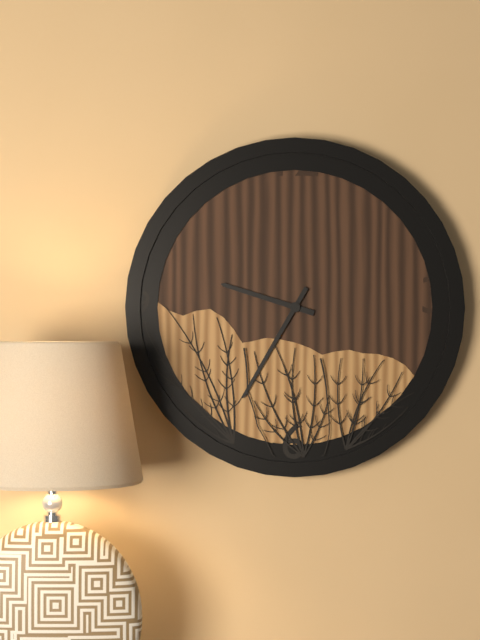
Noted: 9,35
